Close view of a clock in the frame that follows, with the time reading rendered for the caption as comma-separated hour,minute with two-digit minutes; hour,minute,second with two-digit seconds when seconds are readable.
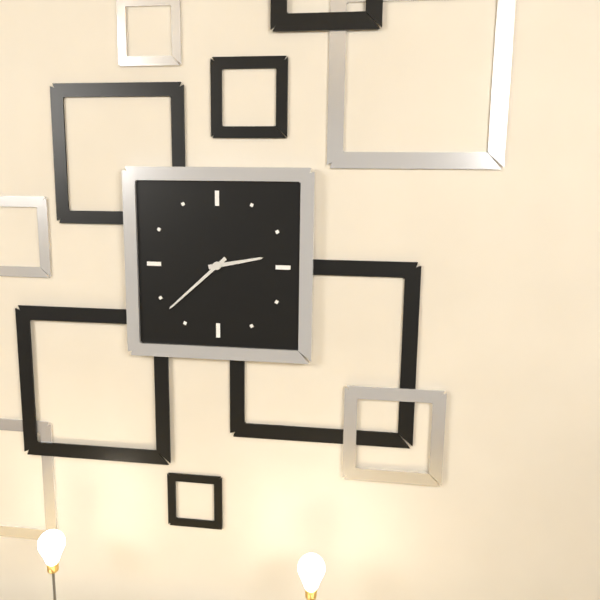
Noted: 2,38
